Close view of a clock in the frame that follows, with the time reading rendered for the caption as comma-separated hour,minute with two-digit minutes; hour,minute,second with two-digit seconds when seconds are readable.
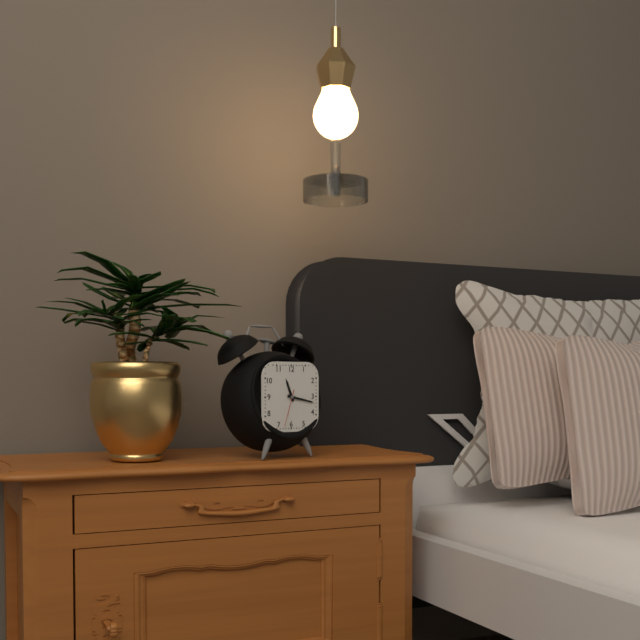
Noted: 11,17
